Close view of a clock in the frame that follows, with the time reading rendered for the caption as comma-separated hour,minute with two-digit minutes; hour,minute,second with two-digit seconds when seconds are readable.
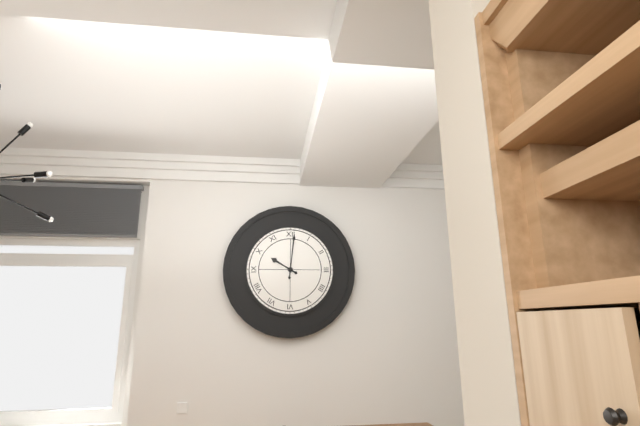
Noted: 10,01
